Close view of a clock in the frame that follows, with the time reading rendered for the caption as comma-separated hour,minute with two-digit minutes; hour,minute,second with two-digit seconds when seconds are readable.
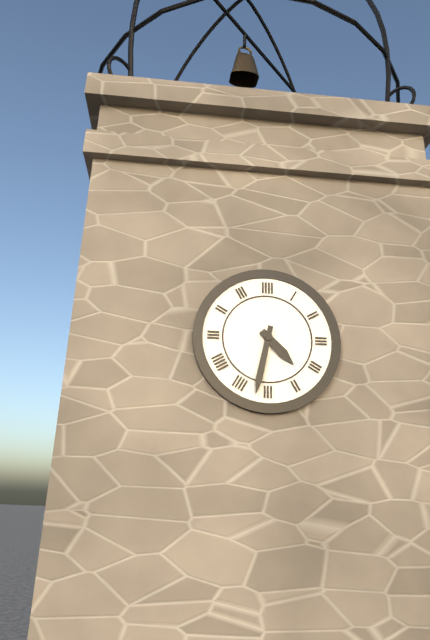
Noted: 4,32
